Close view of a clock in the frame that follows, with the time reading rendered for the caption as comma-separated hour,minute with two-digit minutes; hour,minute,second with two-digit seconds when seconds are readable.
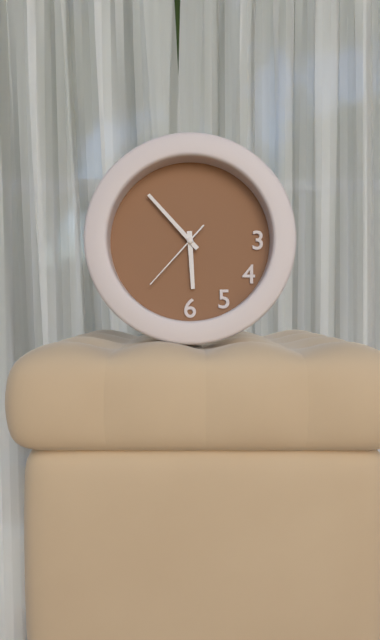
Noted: 5,53,37
